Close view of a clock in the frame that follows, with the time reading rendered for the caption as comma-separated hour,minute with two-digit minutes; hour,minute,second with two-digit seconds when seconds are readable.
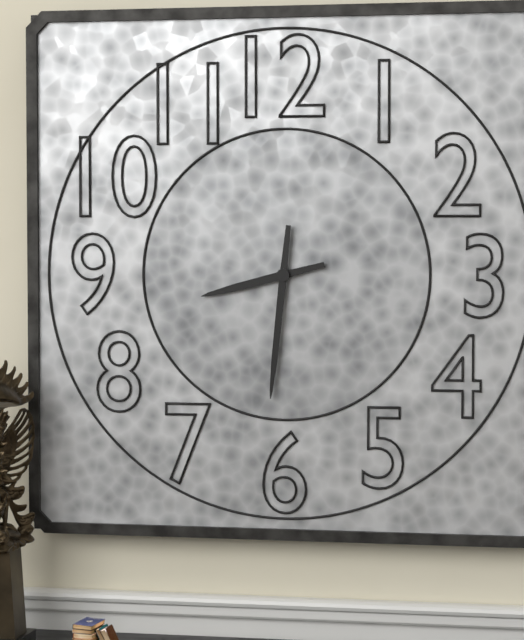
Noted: 8,31
